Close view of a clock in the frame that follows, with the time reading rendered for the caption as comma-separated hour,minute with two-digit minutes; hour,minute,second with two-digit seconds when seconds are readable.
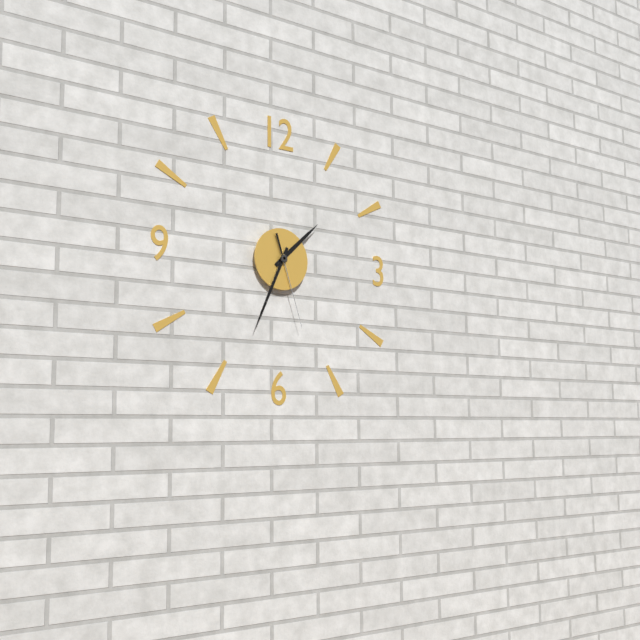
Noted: 1,34,27
